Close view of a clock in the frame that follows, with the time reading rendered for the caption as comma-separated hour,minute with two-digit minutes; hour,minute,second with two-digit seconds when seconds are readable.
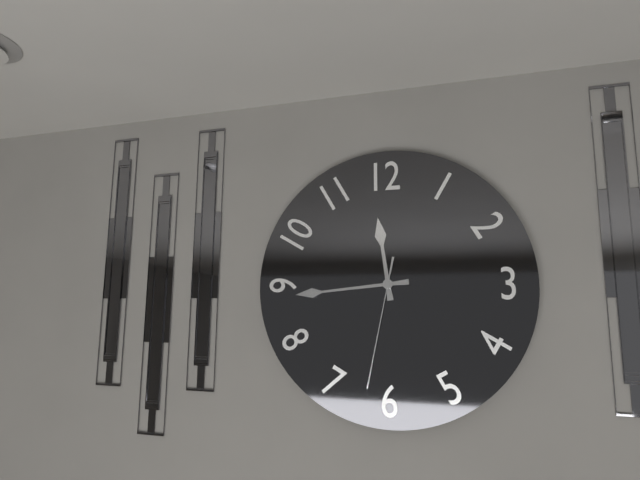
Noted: 11,44,32
